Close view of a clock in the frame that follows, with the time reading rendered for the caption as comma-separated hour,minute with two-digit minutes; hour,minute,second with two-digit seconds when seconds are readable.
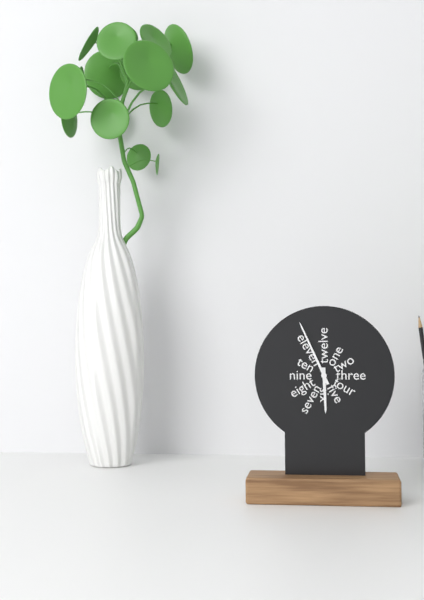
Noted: 5,56
